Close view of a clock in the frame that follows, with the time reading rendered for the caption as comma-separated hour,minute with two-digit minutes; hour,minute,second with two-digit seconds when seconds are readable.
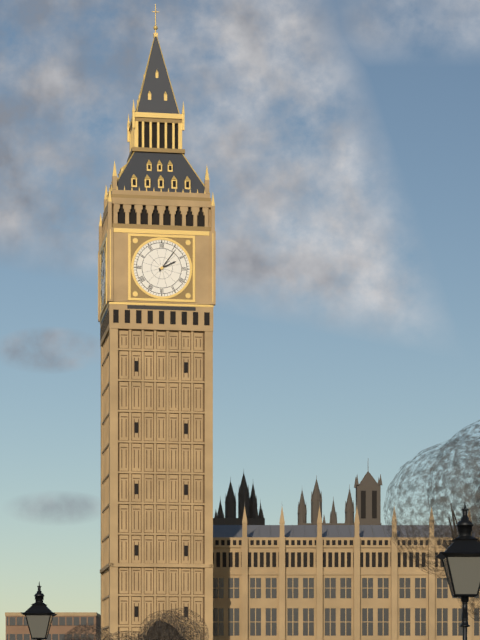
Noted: 2,06
